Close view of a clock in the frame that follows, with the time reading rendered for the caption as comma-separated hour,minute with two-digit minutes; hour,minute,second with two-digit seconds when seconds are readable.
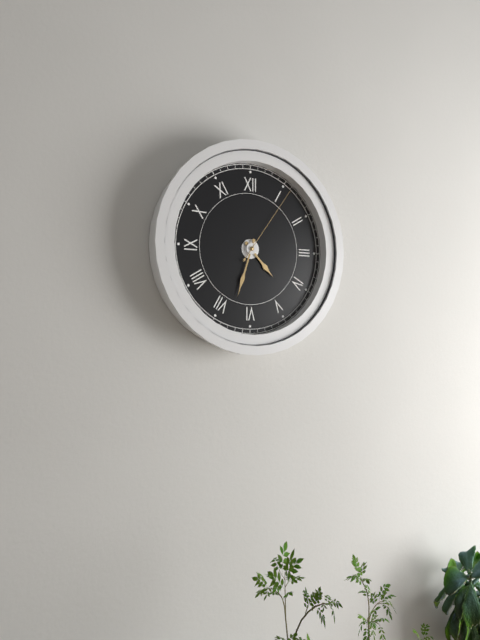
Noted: 4,33,06
